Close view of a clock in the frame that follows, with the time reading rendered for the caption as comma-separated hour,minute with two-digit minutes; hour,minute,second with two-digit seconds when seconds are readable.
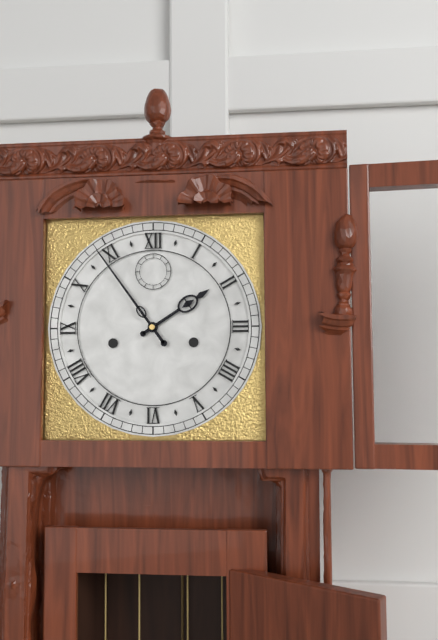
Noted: 1,54
